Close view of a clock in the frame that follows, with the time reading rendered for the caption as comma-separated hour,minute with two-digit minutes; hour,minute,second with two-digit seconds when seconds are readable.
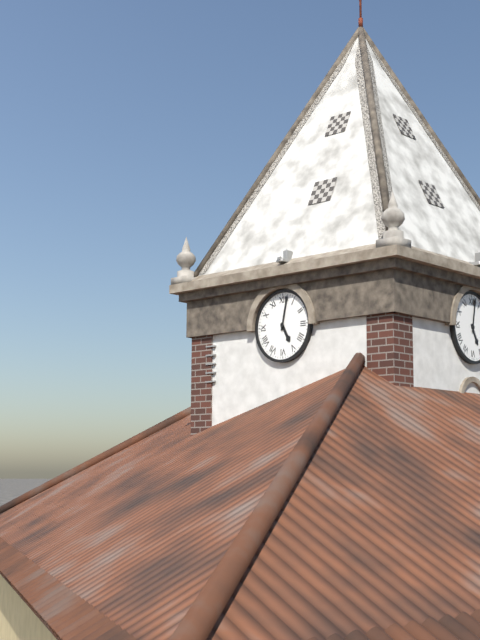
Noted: 5,02
